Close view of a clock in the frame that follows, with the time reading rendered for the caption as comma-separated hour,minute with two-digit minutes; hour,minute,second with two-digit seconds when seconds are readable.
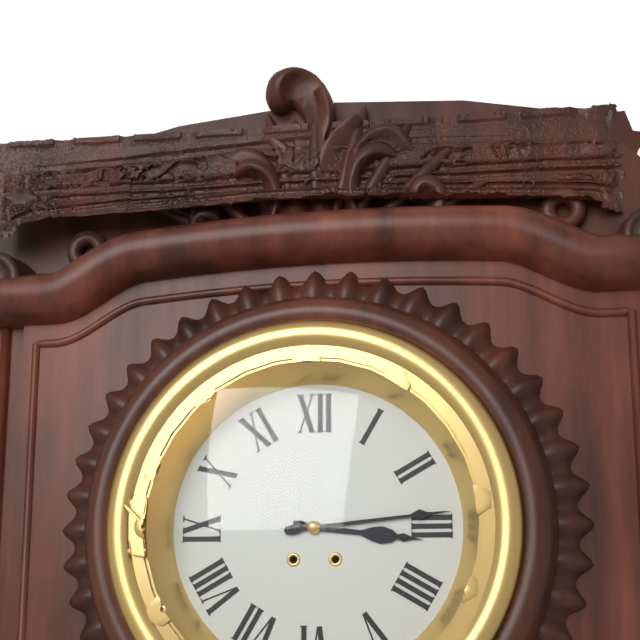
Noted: 3,14
